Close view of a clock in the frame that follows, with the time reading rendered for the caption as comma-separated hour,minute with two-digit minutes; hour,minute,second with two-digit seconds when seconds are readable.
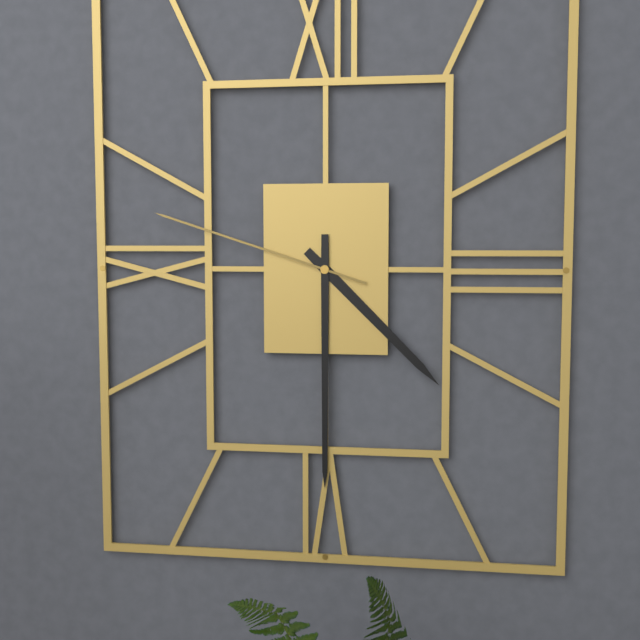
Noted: 4,30,48
